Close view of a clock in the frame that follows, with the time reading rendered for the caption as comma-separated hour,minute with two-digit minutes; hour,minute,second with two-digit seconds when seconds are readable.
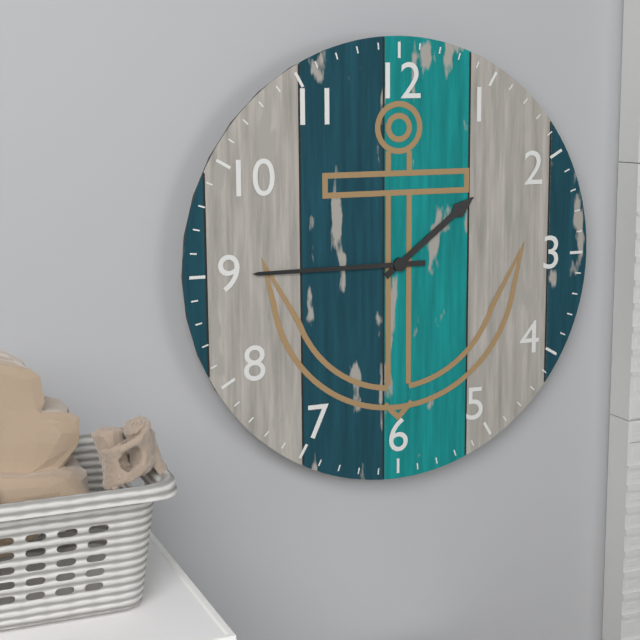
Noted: 1,45
